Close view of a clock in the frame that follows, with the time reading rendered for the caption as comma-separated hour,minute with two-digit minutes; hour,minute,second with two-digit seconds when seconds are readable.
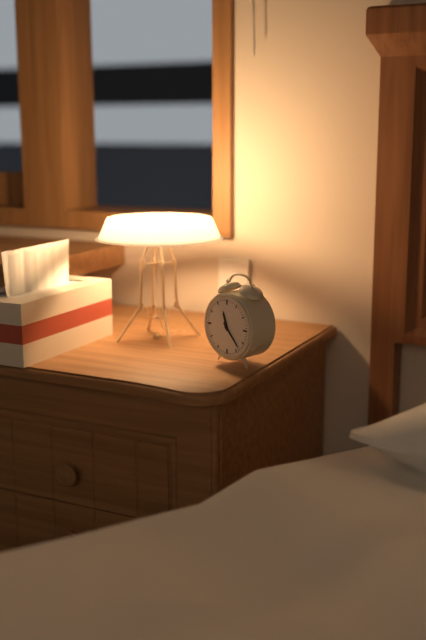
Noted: 11,23
